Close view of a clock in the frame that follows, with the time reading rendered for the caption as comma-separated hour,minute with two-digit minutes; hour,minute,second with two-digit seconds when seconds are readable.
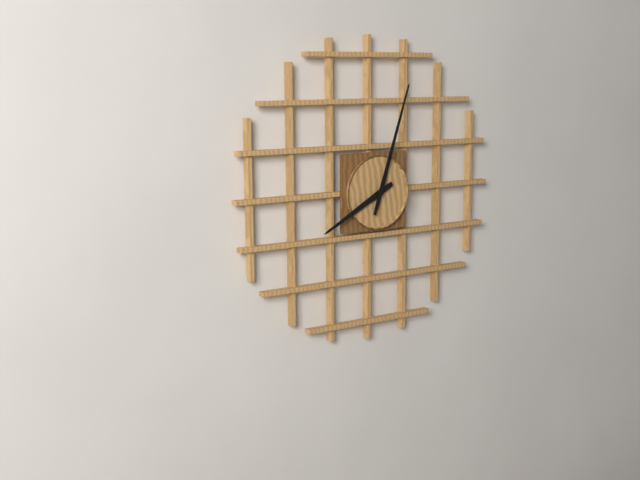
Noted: 8,03
